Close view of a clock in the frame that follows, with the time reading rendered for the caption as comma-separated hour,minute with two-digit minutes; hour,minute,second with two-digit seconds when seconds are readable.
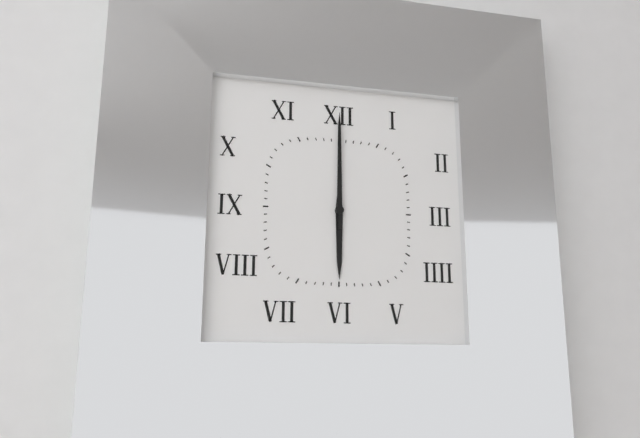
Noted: 6,00
